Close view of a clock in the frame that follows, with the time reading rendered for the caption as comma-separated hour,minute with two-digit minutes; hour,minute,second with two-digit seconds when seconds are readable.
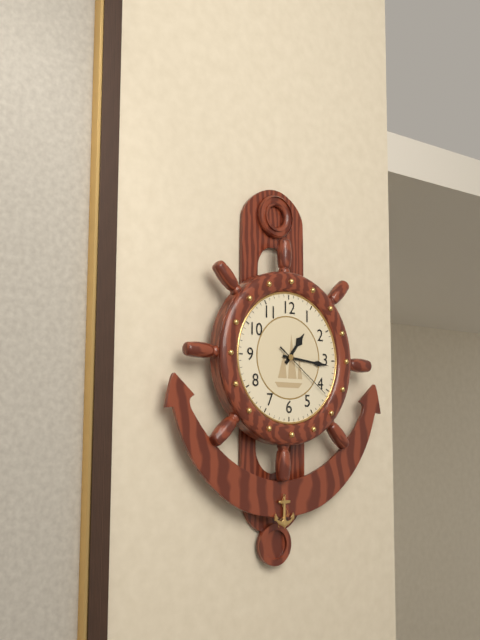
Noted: 1,16,21
